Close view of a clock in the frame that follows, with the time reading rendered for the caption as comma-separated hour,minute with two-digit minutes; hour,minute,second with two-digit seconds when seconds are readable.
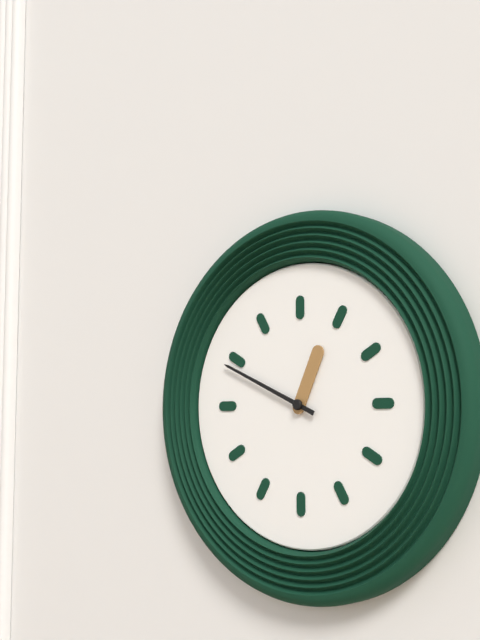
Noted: 12,49
